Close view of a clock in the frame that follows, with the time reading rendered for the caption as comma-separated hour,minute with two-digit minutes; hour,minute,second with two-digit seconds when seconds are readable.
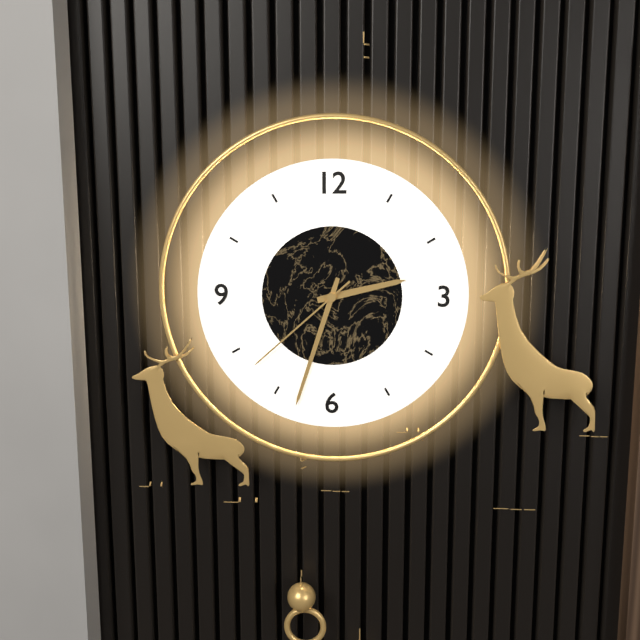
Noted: 2,33,38
